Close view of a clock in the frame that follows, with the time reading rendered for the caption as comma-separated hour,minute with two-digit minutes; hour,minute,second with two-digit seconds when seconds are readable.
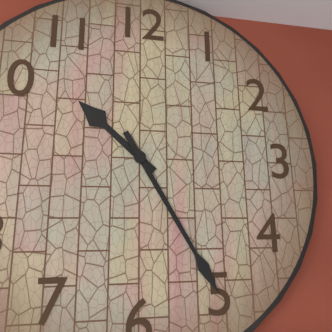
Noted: 10,25
